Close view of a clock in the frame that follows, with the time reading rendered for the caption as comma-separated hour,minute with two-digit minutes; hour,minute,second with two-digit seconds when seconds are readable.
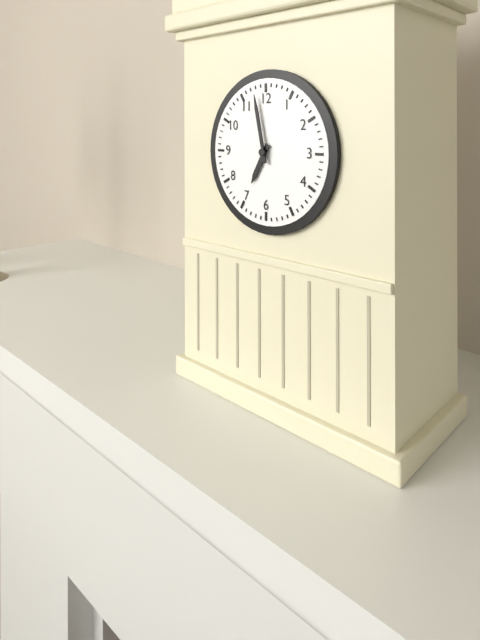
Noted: 6,58
